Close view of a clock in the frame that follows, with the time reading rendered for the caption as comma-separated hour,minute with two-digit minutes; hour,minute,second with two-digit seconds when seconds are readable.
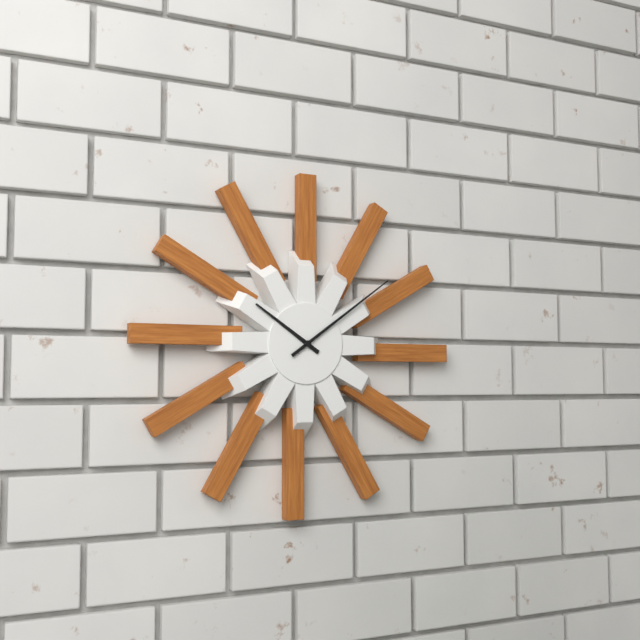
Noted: 10,09
